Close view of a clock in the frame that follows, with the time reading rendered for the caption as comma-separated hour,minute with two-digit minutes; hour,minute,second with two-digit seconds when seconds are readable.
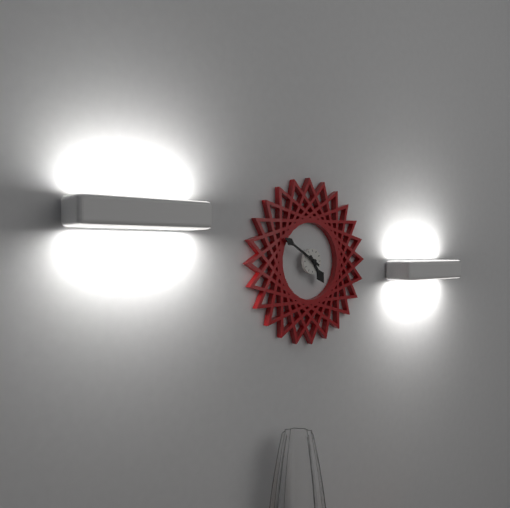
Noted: 4,50
